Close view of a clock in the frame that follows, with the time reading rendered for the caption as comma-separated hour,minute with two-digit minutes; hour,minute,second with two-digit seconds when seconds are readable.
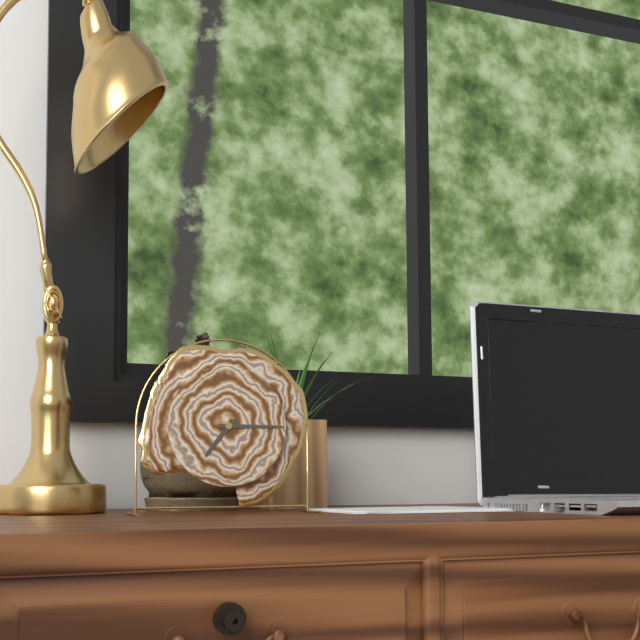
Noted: 7,15
